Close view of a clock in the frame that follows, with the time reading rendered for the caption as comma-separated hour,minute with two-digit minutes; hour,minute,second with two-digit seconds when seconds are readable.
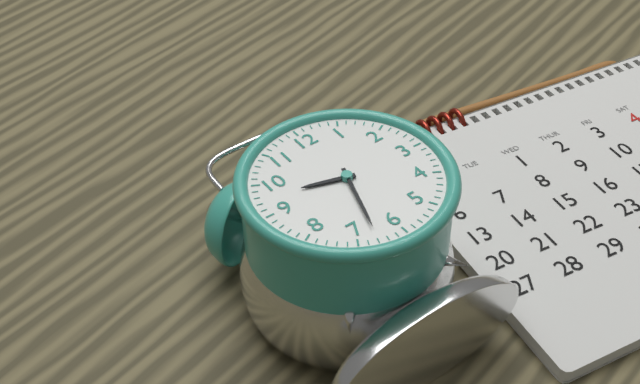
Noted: 9,33
